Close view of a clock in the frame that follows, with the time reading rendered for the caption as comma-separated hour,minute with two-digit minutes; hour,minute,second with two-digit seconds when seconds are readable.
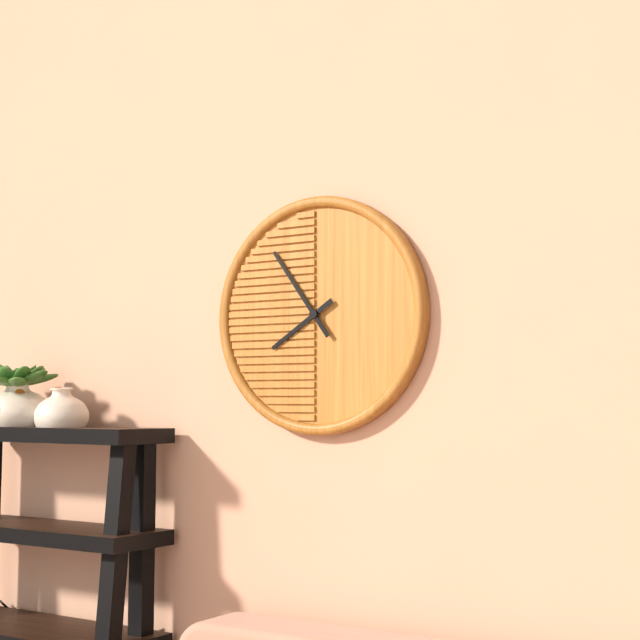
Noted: 7,54
